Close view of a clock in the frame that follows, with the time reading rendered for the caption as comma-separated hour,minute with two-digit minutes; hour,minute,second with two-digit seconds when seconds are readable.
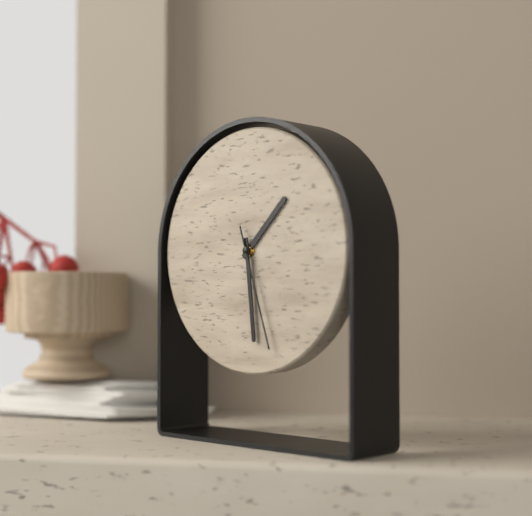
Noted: 1,29,27
